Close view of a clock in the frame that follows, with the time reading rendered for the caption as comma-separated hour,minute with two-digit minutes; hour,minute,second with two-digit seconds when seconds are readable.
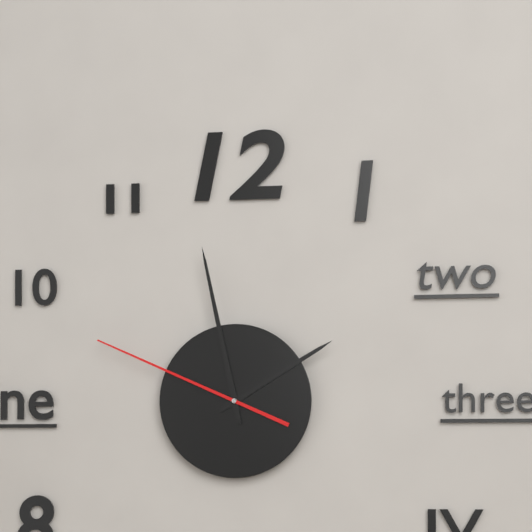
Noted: 1,58,49
